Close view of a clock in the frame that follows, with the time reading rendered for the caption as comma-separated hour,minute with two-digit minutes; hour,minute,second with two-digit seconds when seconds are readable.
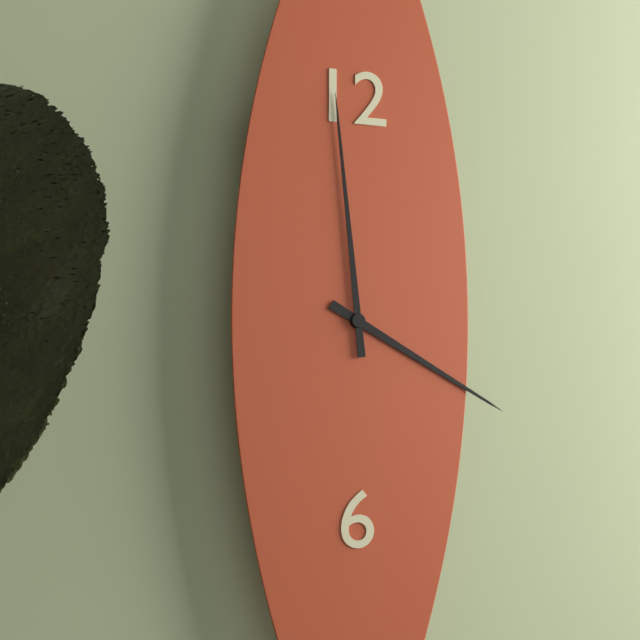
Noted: 3,59
